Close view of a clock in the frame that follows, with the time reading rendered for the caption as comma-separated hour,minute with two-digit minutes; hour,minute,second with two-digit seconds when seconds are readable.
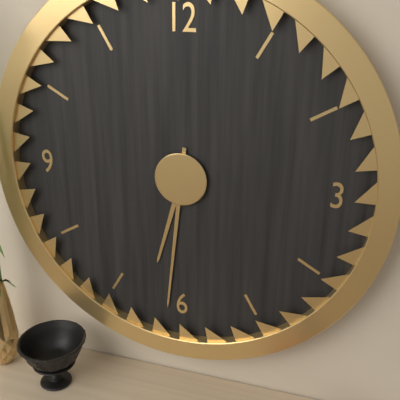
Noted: 6,31
